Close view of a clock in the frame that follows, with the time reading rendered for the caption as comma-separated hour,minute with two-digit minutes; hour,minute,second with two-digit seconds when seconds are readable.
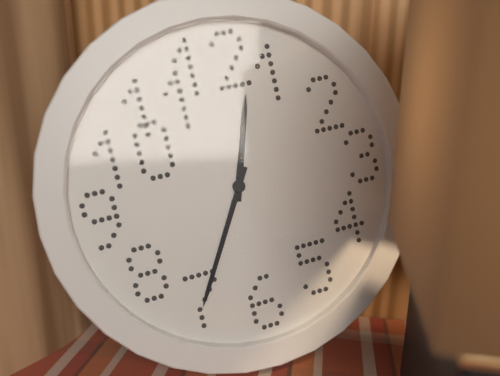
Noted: 12,35
